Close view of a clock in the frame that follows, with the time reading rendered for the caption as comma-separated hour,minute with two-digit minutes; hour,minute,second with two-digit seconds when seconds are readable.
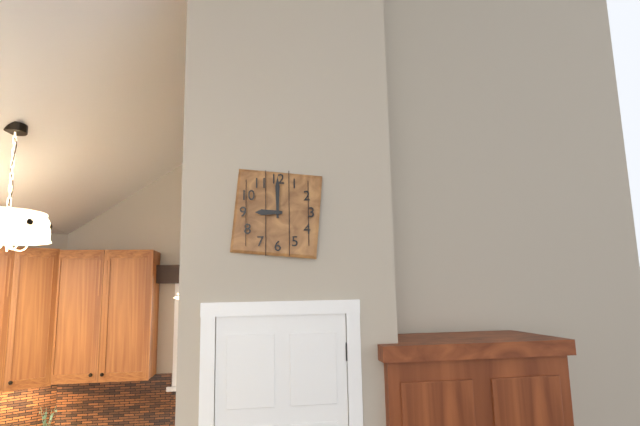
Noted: 9,00
